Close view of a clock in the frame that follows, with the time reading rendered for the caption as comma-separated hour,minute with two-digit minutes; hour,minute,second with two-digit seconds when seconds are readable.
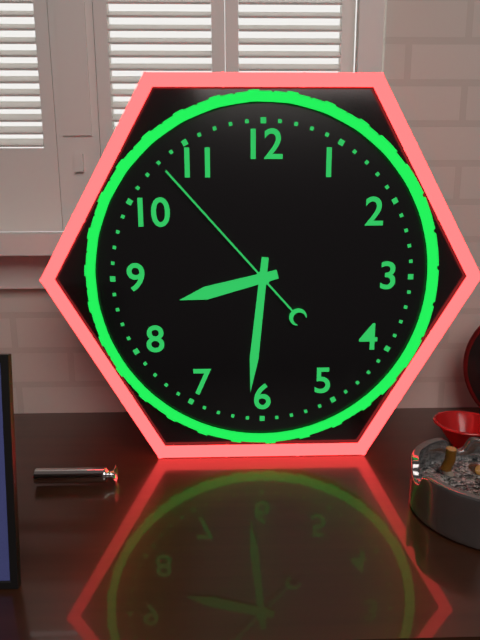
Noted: 8,31,53
